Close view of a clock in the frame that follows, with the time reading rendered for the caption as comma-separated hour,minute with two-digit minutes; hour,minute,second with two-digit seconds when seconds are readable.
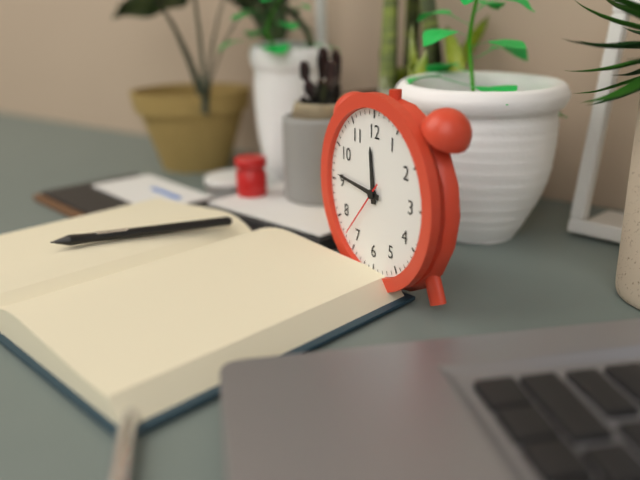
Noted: 11,46,37
